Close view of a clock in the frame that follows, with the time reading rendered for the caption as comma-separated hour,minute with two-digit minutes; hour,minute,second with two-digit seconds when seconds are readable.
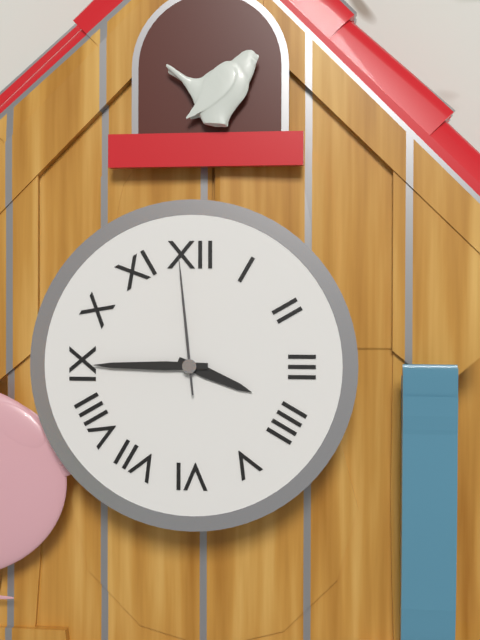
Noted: 3,45,59
